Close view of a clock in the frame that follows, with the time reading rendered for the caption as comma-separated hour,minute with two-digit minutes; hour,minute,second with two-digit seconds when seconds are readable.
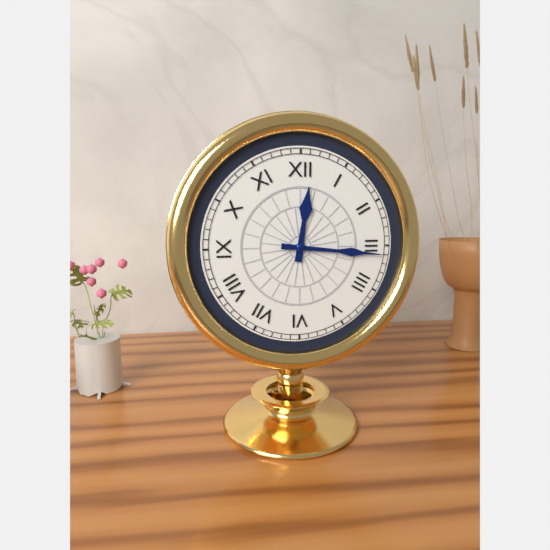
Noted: 12,16
